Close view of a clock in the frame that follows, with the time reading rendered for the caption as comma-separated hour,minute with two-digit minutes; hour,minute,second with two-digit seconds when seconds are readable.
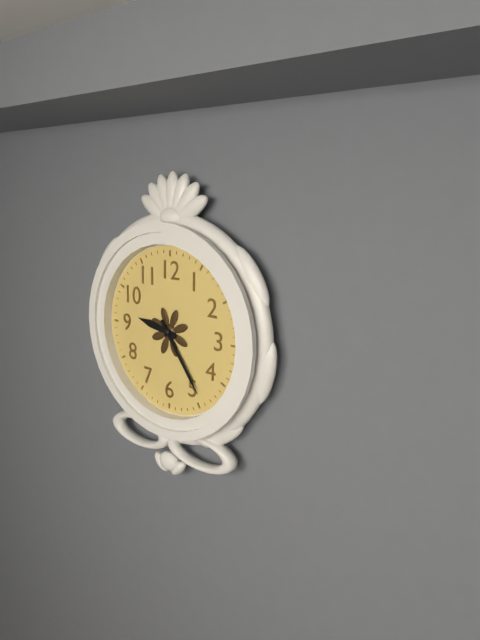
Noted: 9,24
